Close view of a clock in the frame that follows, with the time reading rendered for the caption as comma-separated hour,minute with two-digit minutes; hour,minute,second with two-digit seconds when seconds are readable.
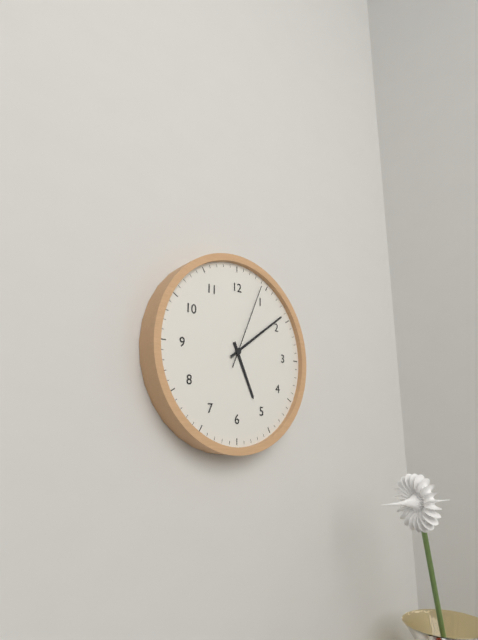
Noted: 5,09,04
